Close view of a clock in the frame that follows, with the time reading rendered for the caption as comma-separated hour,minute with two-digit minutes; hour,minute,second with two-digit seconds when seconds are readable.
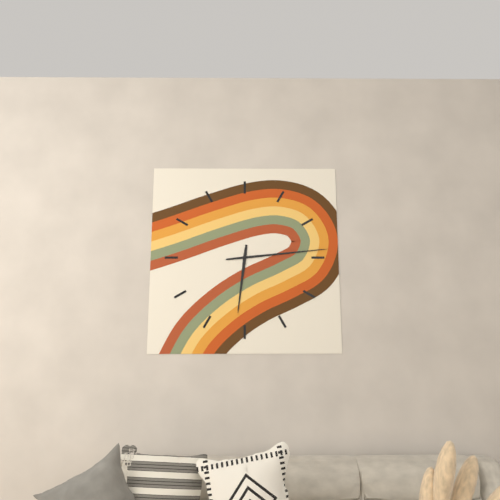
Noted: 6,14
